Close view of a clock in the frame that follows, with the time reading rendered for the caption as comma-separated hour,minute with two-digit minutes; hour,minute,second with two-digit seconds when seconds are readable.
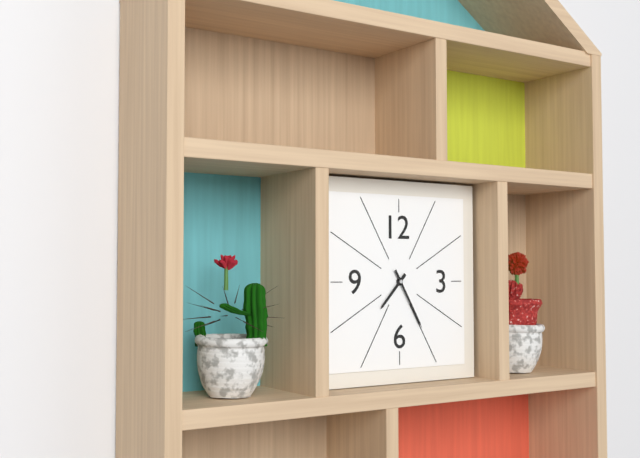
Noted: 7,25
